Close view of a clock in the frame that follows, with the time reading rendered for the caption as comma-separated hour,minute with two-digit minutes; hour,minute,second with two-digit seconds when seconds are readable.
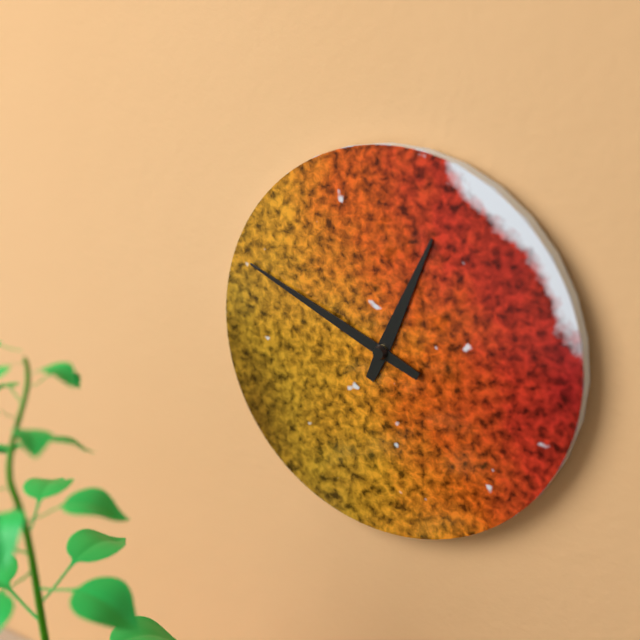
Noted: 12,49
